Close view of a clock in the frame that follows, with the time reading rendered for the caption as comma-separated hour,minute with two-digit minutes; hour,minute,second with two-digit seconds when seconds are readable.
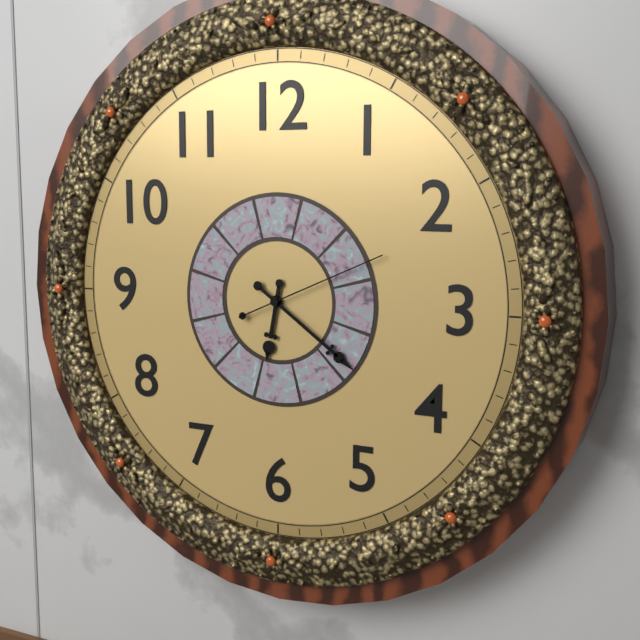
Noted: 6,21,11
